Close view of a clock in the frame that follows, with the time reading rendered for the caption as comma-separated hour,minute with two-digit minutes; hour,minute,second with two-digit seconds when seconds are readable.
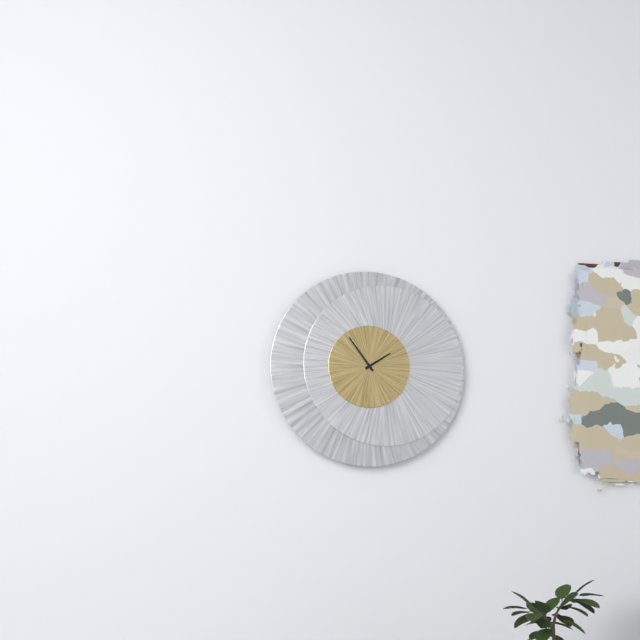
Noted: 1,54
